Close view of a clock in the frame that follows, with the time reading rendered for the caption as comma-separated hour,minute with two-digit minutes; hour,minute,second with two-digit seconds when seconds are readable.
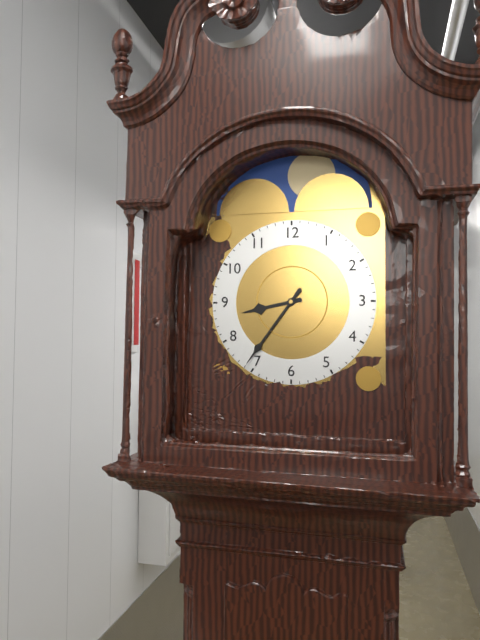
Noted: 8,36
